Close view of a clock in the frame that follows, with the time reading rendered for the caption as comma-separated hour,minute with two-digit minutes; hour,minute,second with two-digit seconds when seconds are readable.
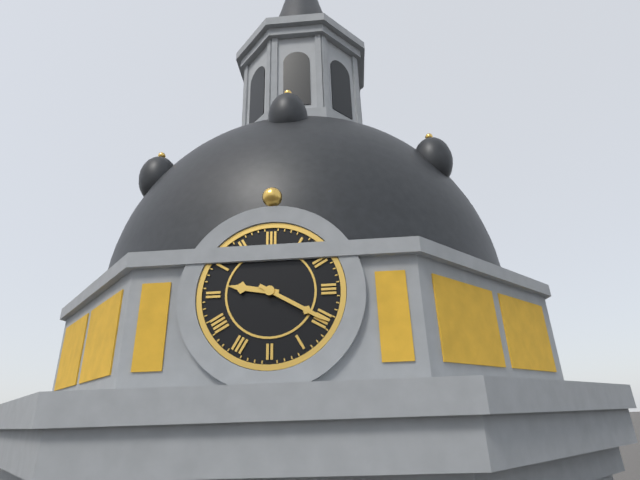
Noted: 9,20
